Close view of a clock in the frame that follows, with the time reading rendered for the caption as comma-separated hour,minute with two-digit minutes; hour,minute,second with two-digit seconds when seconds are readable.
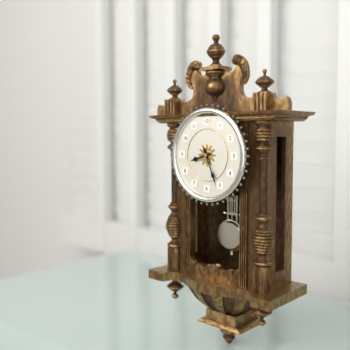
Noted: 8,26
